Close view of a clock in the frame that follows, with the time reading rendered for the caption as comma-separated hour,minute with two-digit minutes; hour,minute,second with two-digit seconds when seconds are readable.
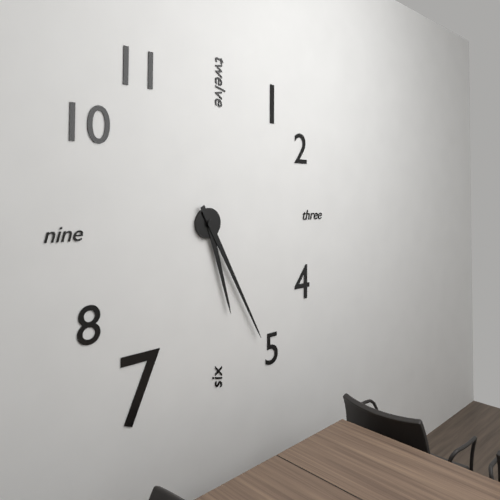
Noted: 5,25
